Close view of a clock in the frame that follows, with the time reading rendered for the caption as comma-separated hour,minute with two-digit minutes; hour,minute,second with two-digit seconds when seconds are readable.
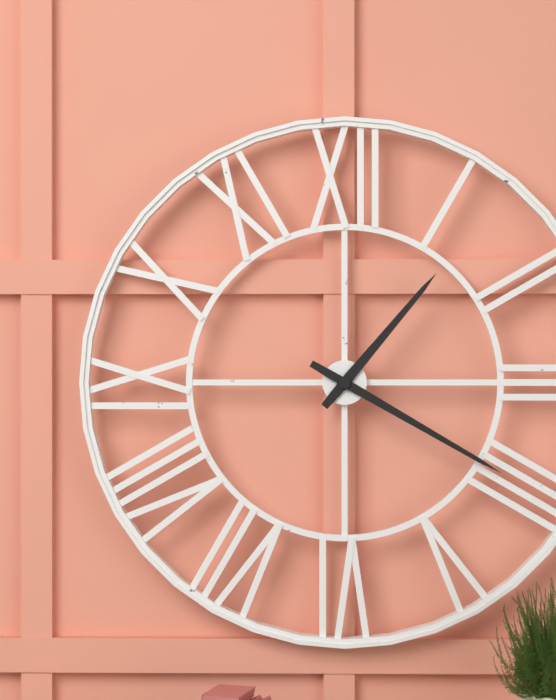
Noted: 1,20
